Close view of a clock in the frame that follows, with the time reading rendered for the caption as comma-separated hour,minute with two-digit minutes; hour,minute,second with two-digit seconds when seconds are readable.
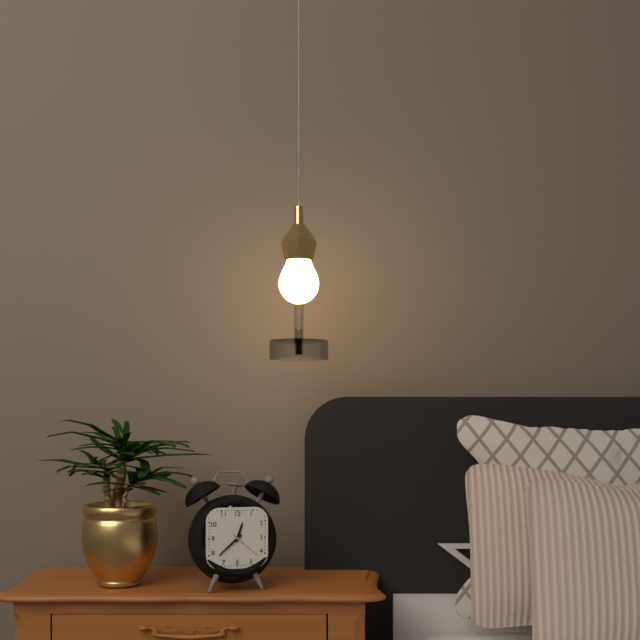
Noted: 12,38
